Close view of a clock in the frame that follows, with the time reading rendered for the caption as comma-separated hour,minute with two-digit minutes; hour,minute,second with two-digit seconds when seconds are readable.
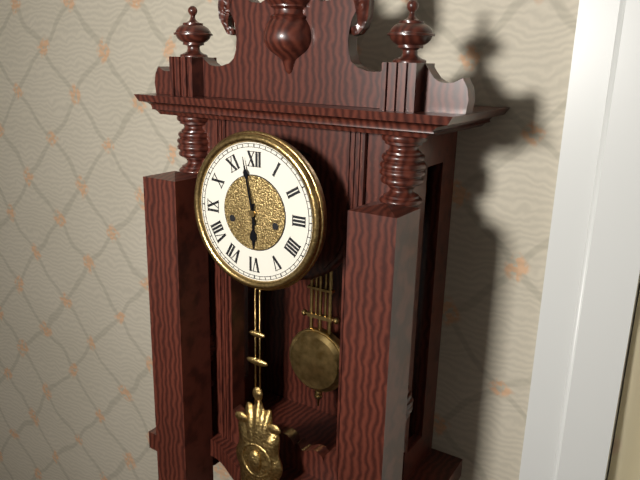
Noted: 5,58
